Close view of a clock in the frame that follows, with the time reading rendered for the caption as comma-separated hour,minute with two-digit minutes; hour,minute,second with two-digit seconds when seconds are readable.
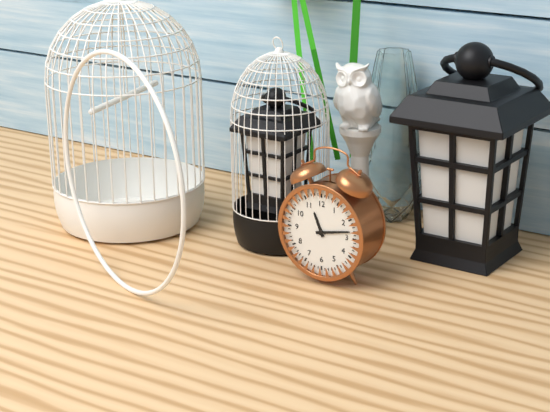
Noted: 11,13
